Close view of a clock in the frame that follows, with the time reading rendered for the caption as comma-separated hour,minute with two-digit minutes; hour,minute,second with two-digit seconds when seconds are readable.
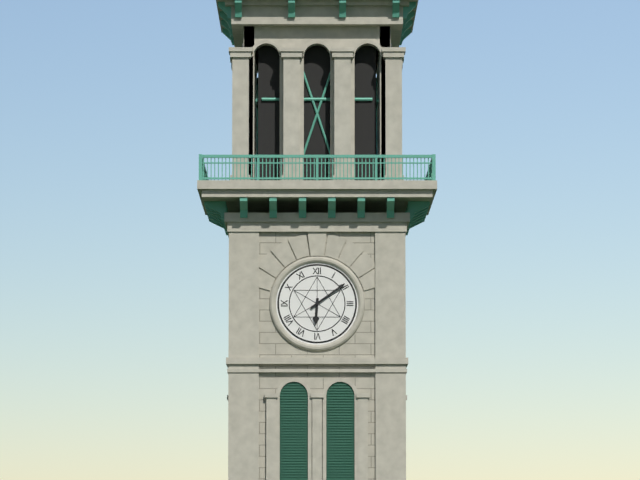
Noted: 6,09
